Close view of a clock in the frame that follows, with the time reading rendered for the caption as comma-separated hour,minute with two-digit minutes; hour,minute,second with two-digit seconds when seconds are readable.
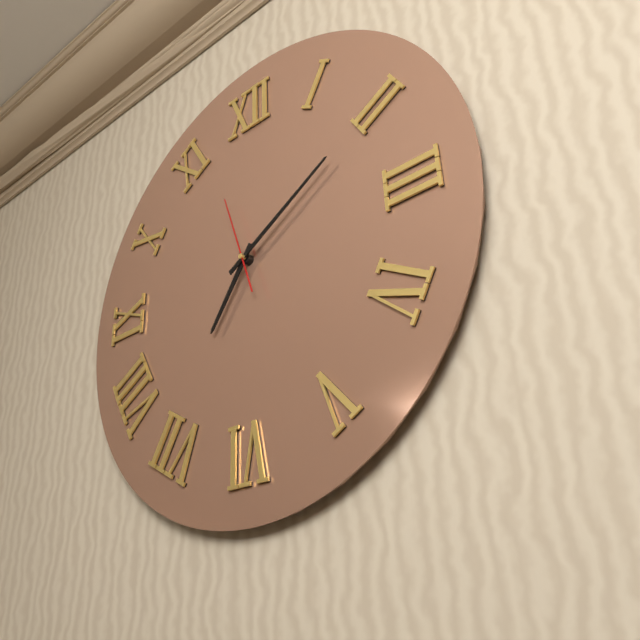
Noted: 7,10,57
